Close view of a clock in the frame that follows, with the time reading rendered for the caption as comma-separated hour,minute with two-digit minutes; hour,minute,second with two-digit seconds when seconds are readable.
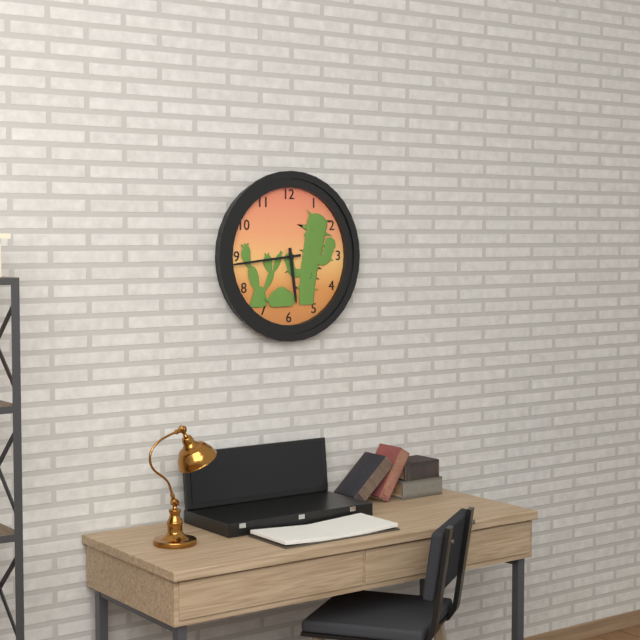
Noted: 5,44
